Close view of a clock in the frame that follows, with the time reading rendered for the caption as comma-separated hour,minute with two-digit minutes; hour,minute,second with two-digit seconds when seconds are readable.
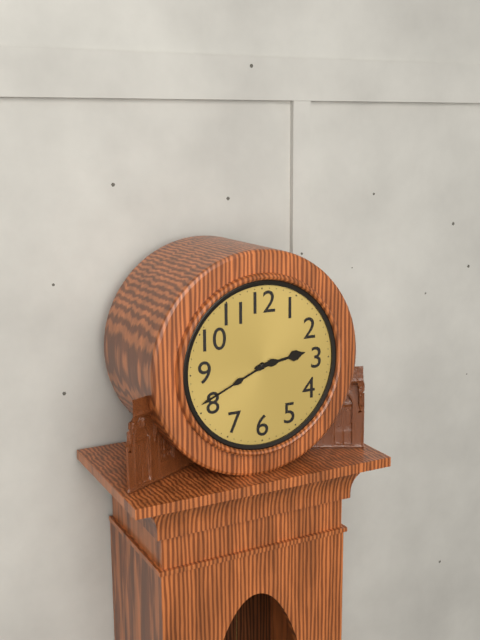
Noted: 2,41
